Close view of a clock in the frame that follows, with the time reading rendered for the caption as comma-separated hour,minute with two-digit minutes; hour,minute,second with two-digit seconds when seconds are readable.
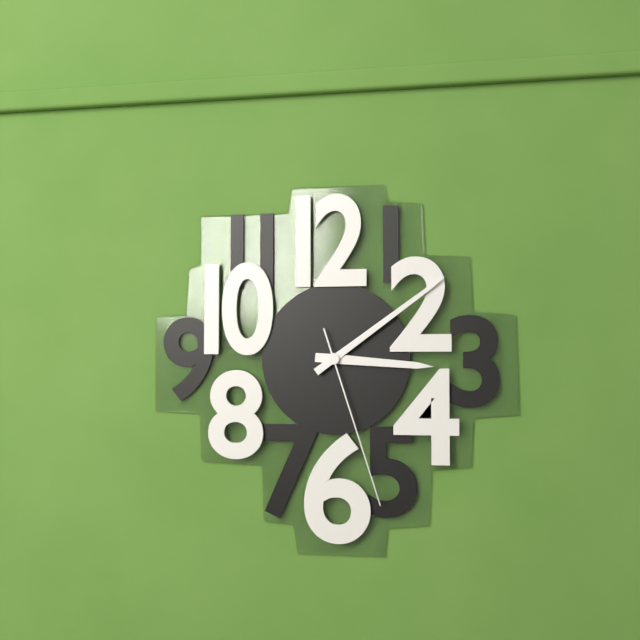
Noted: 3,09,27
